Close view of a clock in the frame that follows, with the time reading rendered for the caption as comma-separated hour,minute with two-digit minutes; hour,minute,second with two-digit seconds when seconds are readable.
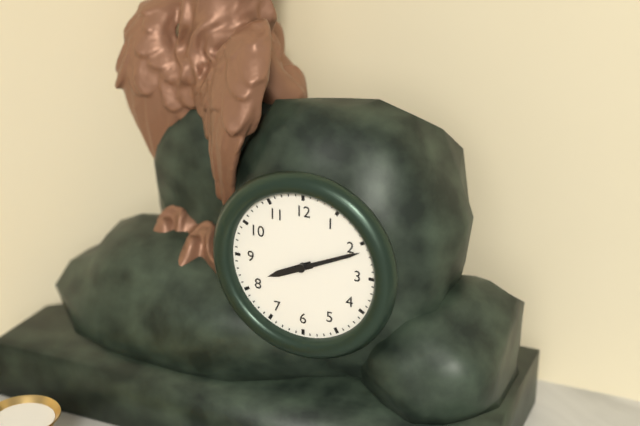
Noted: 8,11
